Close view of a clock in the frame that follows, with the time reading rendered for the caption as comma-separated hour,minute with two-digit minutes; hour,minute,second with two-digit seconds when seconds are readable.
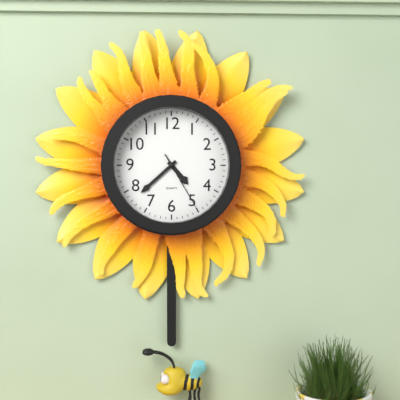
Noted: 4,38,25
